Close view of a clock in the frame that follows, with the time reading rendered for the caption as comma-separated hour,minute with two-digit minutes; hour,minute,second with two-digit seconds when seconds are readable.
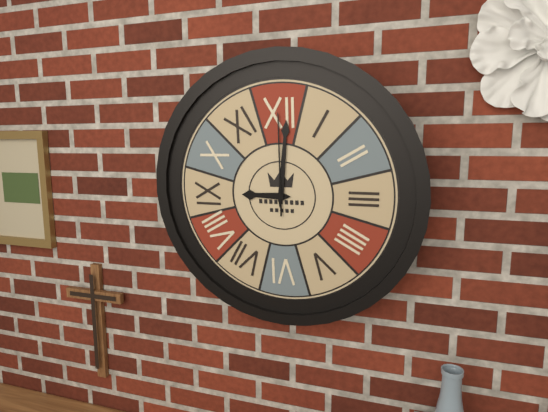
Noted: 9,01,00
